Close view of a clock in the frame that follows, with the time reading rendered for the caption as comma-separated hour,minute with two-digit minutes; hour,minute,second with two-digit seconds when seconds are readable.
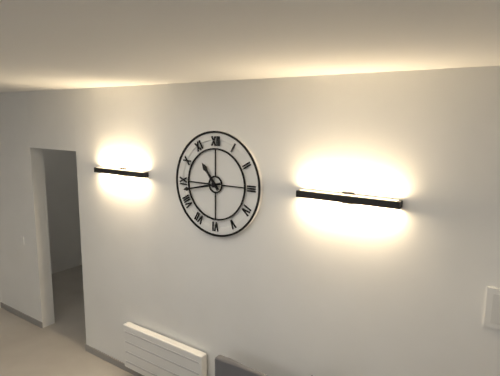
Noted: 10,43
